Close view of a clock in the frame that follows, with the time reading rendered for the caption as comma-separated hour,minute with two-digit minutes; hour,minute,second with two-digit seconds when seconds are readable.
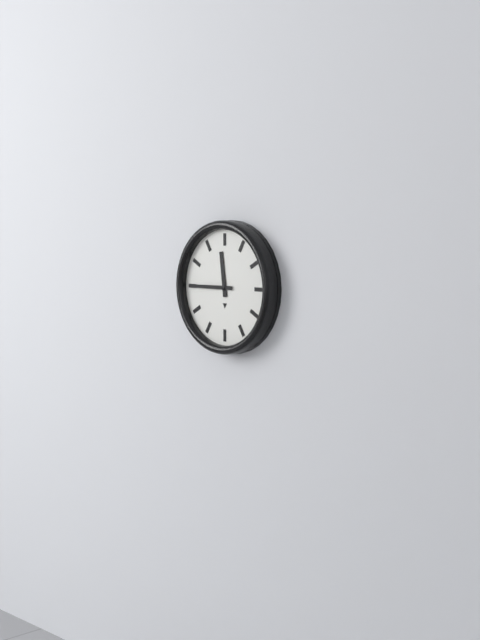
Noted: 11,45
